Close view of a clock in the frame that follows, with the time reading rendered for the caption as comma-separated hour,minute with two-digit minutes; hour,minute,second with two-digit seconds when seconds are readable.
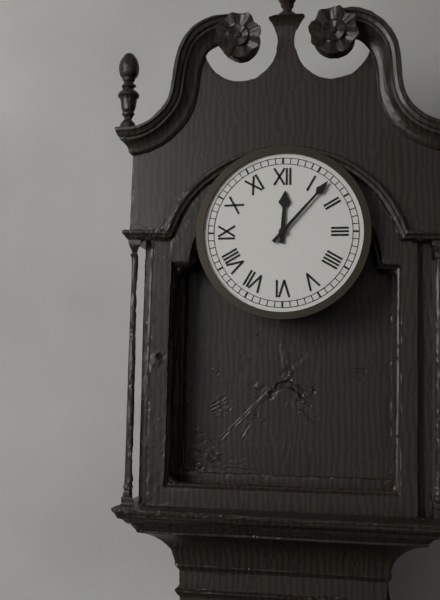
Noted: 12,07
